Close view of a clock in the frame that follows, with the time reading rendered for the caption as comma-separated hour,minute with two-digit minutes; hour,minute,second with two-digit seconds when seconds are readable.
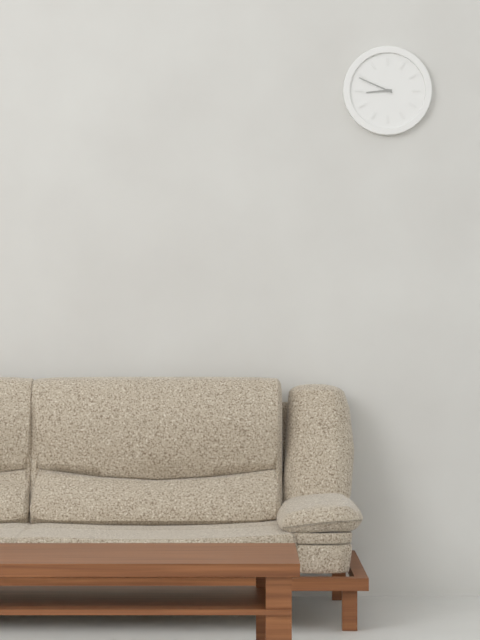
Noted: 8,49
